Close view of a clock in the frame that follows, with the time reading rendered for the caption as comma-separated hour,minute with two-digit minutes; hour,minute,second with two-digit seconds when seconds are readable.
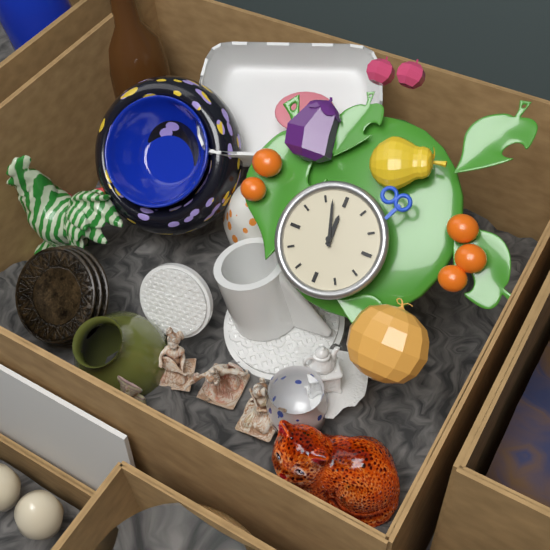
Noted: 11,57
